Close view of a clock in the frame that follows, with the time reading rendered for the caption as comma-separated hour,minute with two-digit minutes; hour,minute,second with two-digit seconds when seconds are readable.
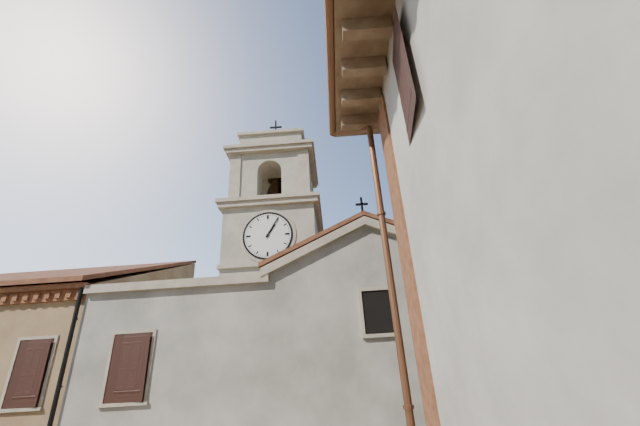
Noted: 1,05
